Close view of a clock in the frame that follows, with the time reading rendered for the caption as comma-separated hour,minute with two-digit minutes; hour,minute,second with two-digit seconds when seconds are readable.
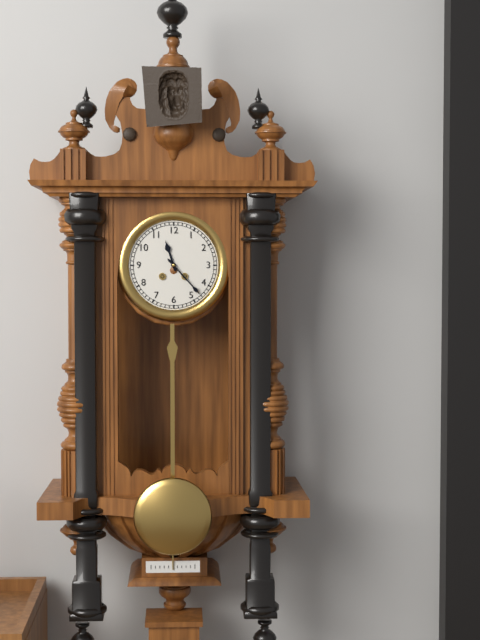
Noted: 11,23
